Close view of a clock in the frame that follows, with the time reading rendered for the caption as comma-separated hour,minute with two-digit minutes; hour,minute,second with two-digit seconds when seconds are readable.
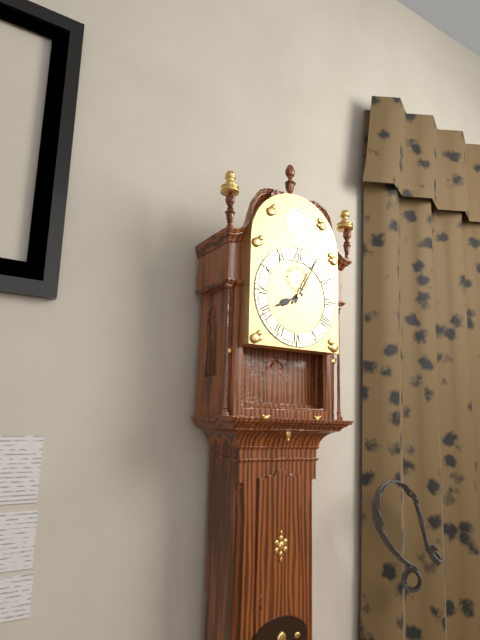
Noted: 8,05
